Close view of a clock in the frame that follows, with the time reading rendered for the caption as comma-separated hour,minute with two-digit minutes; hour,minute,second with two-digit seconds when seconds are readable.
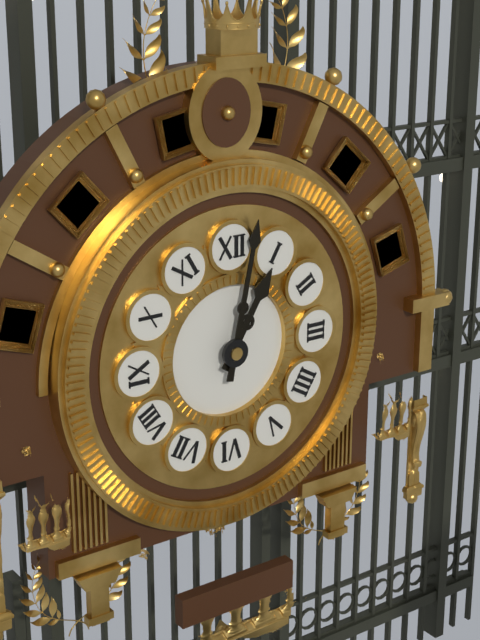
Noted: 1,02
